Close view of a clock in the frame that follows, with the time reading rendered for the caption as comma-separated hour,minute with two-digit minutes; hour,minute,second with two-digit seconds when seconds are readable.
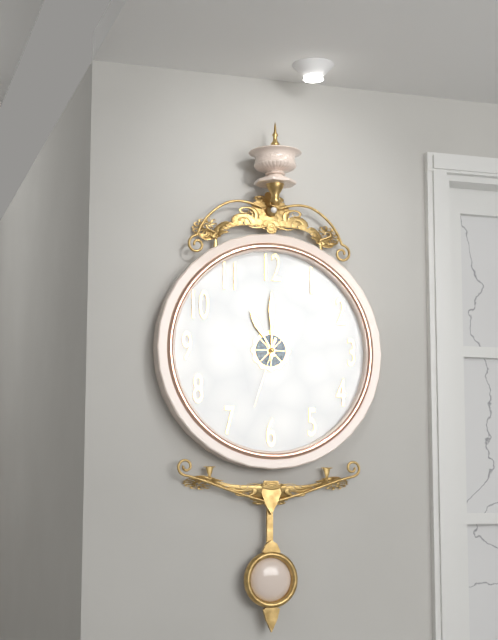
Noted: 11,00,33
